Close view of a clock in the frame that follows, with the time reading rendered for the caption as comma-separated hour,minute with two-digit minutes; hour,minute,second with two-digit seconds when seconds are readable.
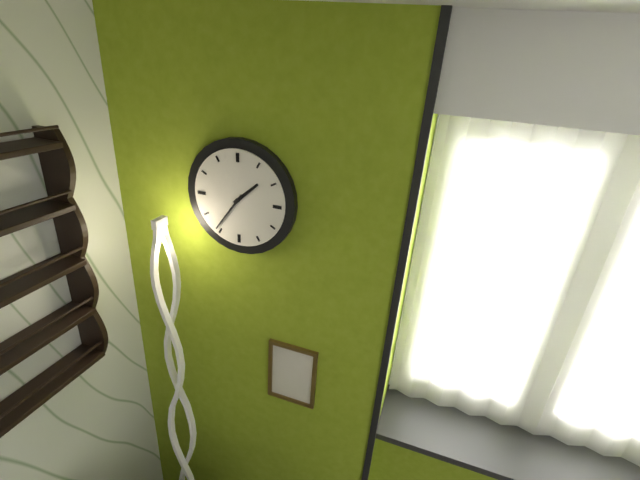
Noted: 1,36
